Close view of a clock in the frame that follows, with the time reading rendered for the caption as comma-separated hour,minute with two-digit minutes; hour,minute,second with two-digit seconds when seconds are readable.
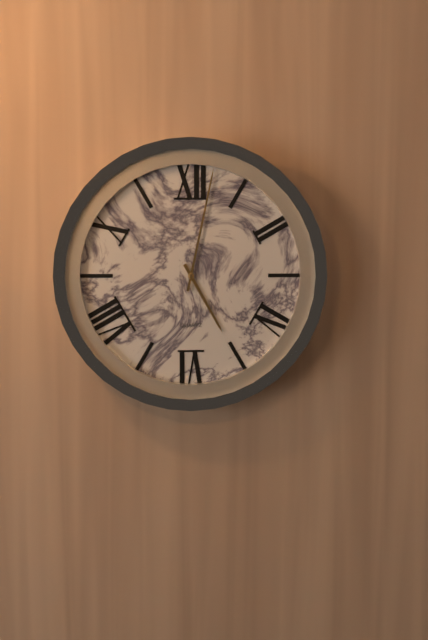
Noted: 5,02
